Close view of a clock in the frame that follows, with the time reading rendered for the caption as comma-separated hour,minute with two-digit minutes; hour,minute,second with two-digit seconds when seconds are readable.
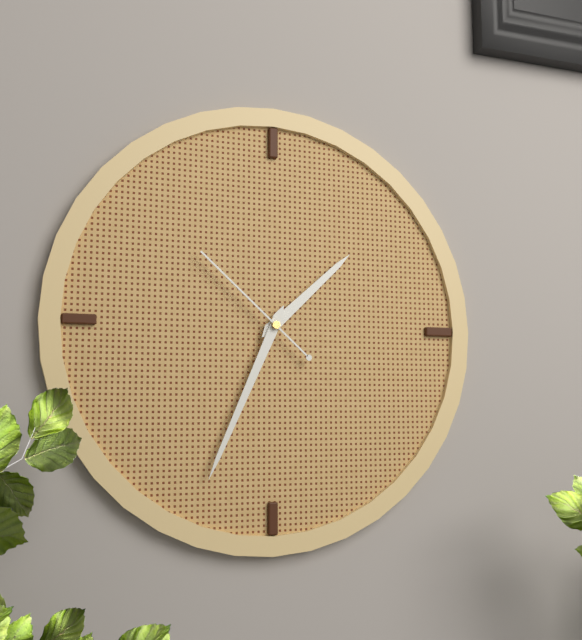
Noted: 1,34,52
